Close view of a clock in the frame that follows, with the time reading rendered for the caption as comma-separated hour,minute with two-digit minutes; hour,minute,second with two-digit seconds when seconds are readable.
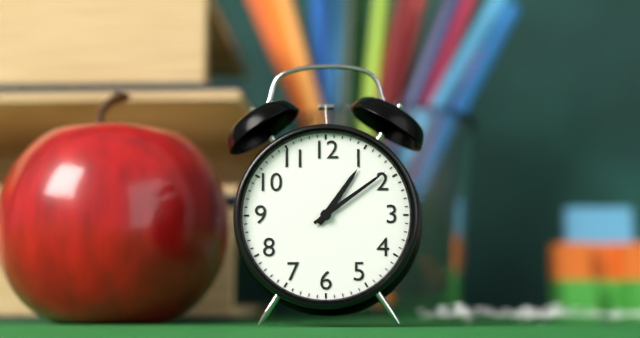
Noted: 1,09
